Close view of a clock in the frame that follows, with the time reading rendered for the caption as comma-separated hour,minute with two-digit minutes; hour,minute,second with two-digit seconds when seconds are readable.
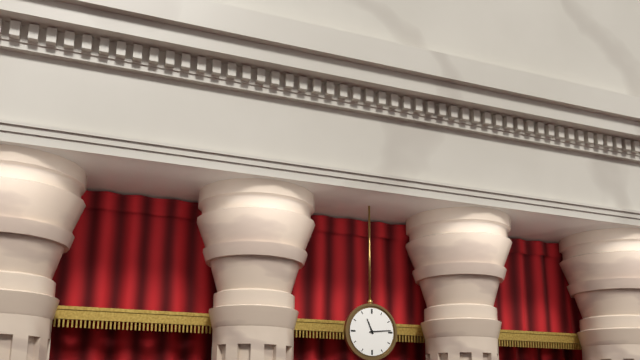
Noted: 11,14
